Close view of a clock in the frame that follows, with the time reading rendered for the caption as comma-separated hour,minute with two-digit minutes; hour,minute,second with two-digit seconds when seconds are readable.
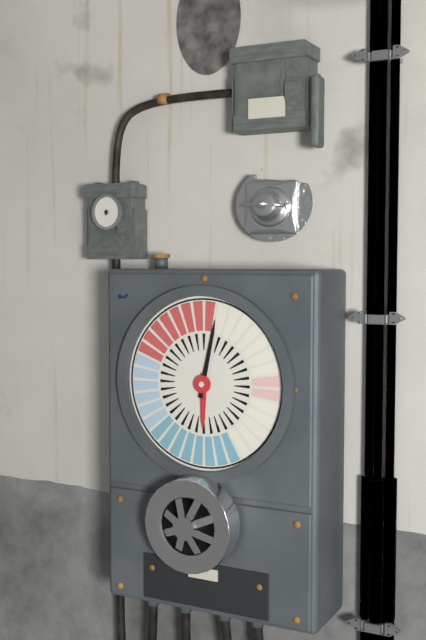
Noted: 6,02
